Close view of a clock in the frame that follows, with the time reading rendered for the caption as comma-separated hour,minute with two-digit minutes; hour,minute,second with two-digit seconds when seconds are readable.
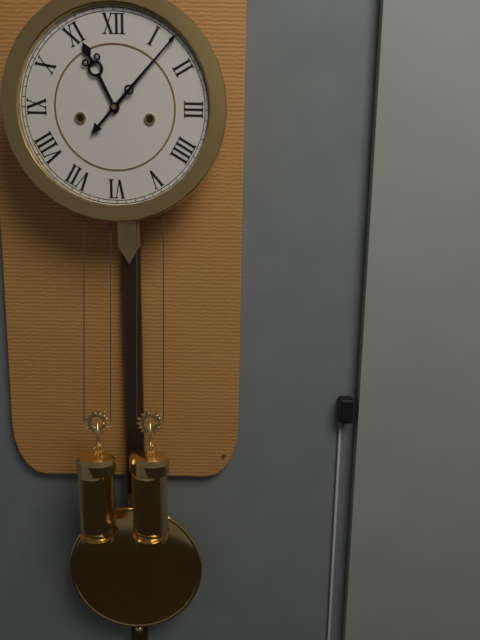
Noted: 11,07
